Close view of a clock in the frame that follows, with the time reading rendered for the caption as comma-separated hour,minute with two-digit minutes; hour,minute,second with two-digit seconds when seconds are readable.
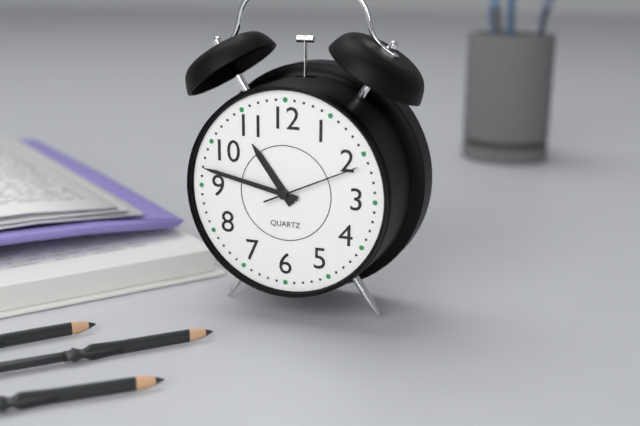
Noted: 10,47,11
